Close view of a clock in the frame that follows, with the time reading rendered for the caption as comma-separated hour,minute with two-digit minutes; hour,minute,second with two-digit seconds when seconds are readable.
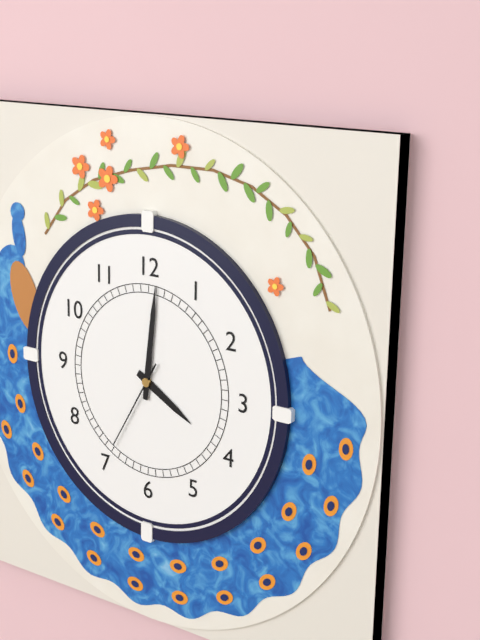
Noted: 4,01,35
